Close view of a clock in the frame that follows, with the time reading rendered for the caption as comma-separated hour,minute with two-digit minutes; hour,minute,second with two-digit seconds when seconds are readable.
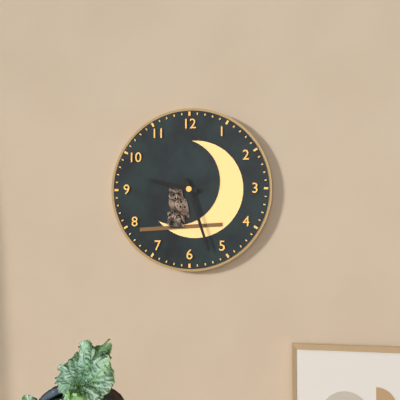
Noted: 9,27
